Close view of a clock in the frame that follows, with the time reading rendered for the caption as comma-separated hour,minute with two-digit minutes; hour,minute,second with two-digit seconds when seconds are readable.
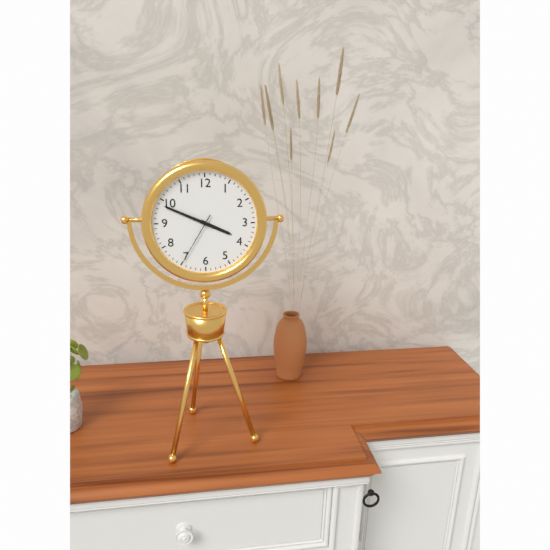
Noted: 3,49,35
